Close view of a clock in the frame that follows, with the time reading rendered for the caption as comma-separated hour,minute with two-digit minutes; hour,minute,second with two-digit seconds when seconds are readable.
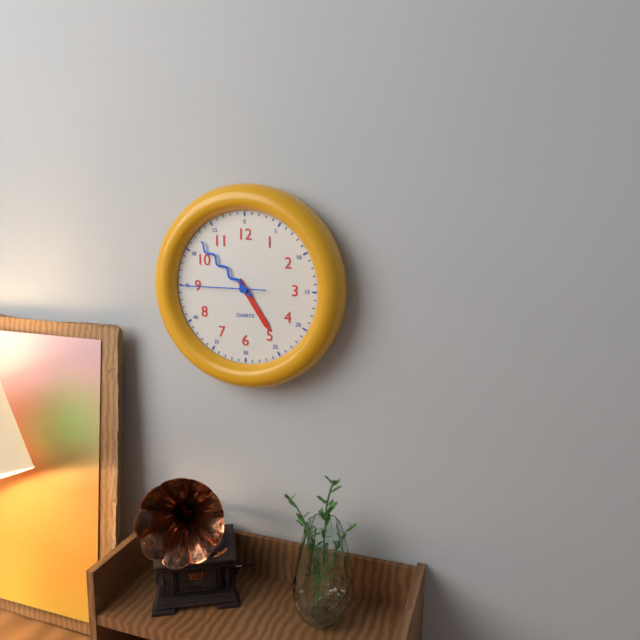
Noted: 4,52,45
